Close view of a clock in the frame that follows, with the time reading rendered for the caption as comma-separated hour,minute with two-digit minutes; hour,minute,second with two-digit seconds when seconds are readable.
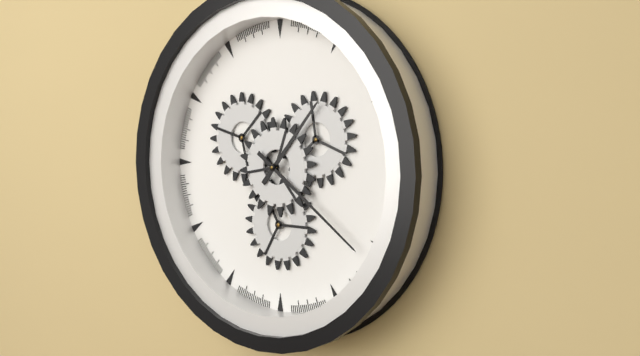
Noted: 1,21
